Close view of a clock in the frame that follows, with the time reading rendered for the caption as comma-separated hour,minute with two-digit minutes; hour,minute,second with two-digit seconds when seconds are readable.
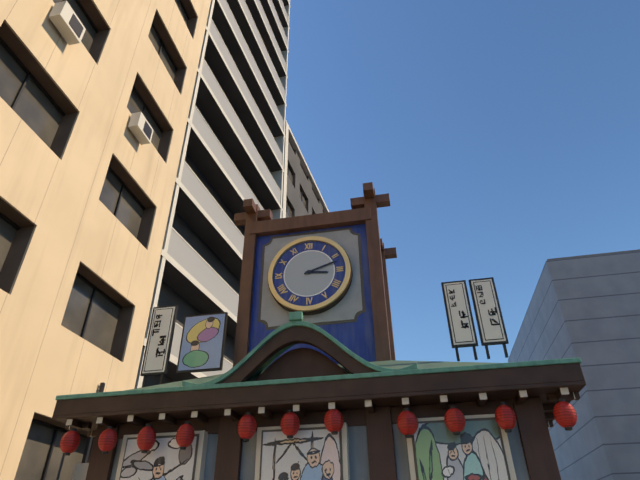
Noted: 3,12
